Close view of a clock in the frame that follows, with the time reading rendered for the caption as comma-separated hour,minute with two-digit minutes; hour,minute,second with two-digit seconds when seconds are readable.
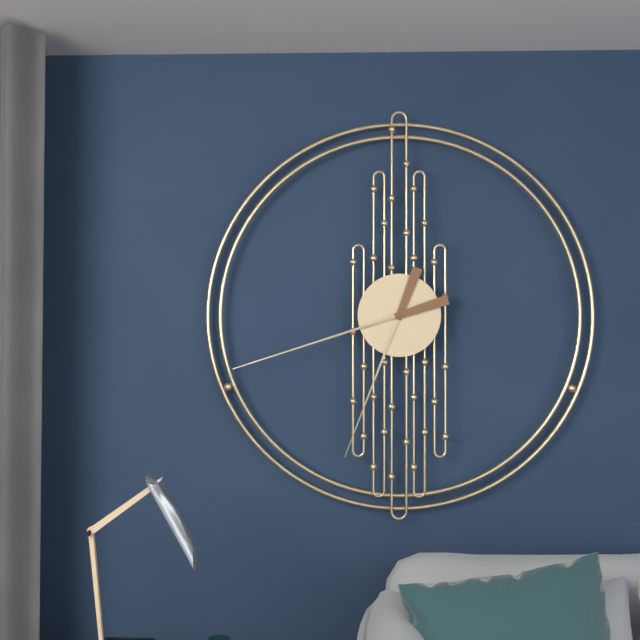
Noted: 6,42
